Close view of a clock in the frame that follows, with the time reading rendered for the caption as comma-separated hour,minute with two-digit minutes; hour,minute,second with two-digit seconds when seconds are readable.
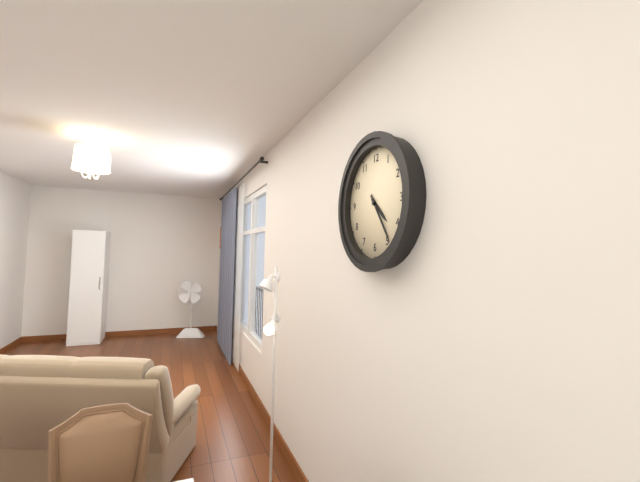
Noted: 4,24
